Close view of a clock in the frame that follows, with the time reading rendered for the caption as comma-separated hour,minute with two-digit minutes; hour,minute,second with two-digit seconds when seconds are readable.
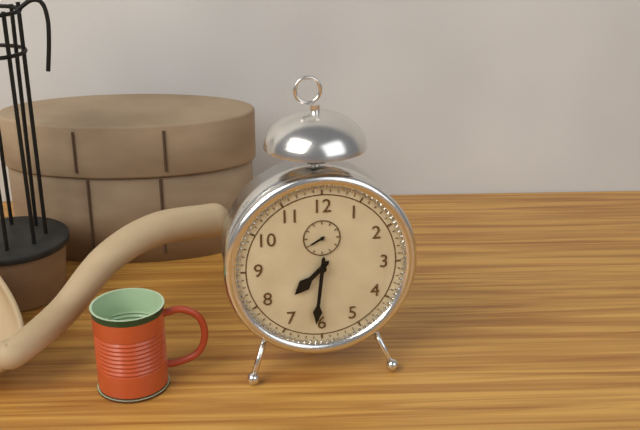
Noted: 7,31
